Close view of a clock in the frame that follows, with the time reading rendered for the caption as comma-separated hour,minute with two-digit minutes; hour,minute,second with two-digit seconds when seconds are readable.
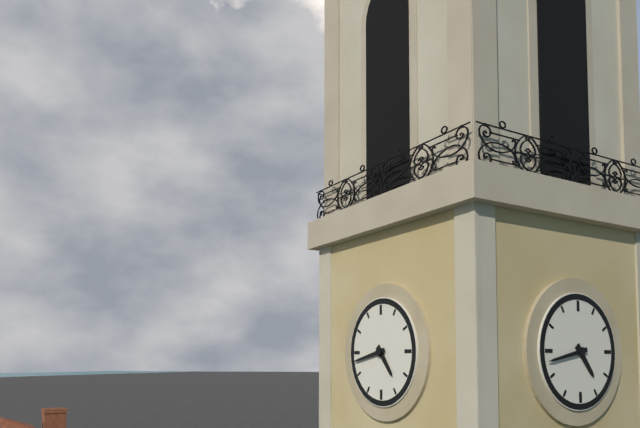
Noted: 4,43
